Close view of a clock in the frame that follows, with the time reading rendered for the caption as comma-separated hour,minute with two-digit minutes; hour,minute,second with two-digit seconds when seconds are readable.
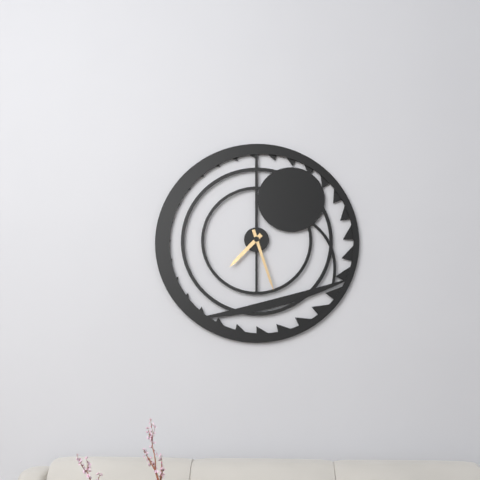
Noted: 7,27
